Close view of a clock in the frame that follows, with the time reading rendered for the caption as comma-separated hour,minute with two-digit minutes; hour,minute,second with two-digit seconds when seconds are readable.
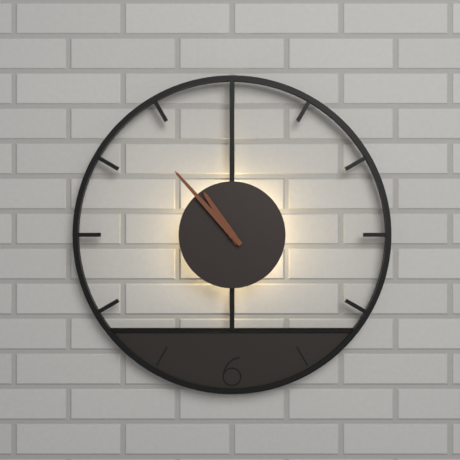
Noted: 10,53
